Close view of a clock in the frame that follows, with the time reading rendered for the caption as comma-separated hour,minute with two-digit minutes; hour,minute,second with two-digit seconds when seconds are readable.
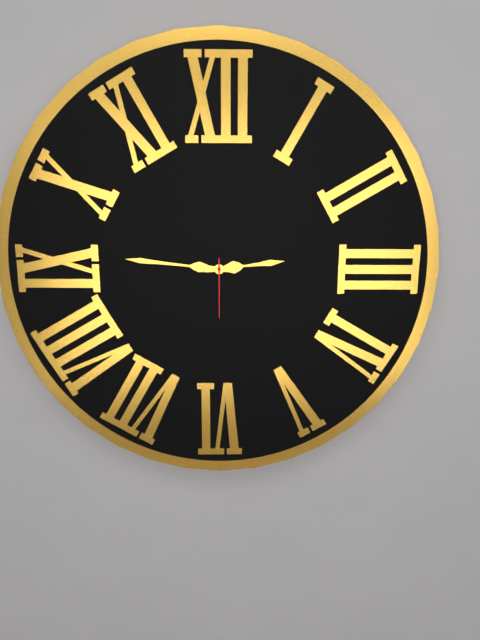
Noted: 2,46,30
